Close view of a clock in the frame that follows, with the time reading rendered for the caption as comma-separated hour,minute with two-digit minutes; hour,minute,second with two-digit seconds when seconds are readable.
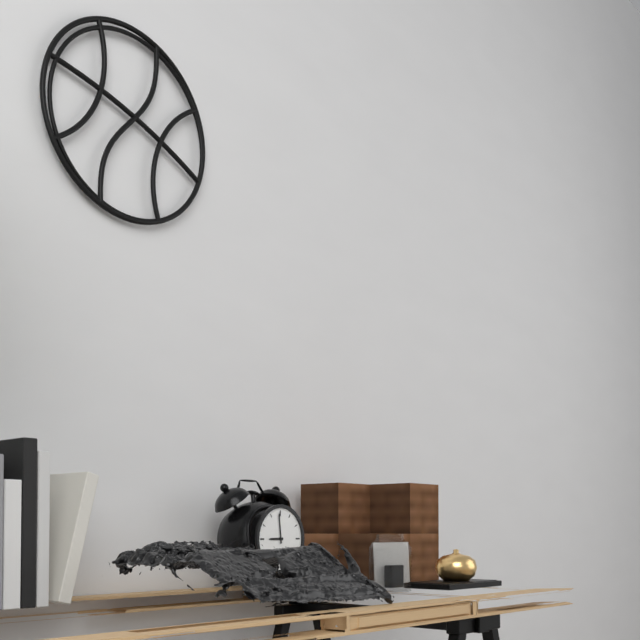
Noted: 8,59
